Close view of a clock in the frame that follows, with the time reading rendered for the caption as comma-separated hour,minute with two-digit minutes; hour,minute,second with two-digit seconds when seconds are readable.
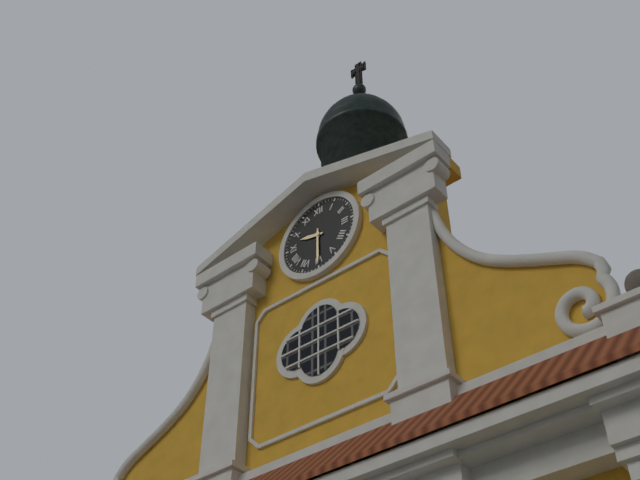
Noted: 9,30
